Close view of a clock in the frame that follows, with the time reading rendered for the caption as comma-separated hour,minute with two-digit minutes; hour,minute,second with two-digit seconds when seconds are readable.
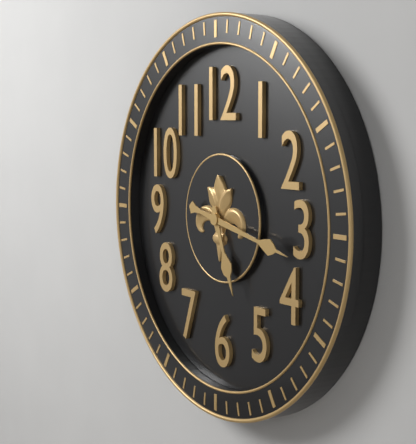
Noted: 5,17
